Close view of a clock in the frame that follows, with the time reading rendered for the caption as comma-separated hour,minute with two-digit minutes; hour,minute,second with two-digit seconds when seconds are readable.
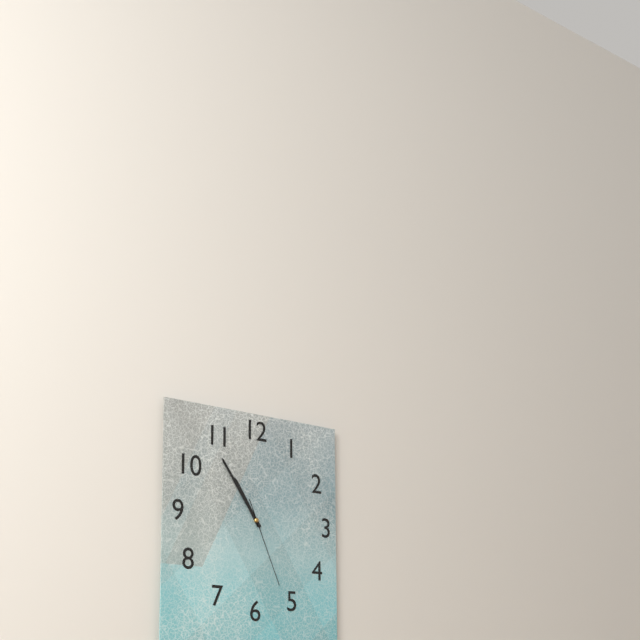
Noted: 10,54,26
